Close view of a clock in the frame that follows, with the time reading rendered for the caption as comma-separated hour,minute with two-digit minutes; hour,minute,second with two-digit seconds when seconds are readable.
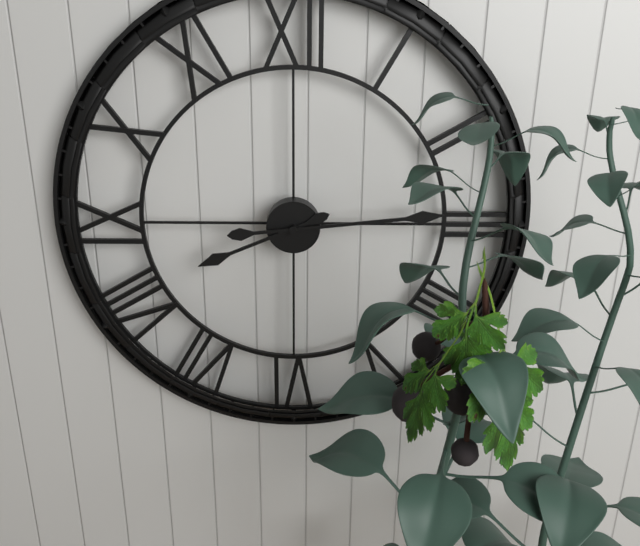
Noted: 8,14
